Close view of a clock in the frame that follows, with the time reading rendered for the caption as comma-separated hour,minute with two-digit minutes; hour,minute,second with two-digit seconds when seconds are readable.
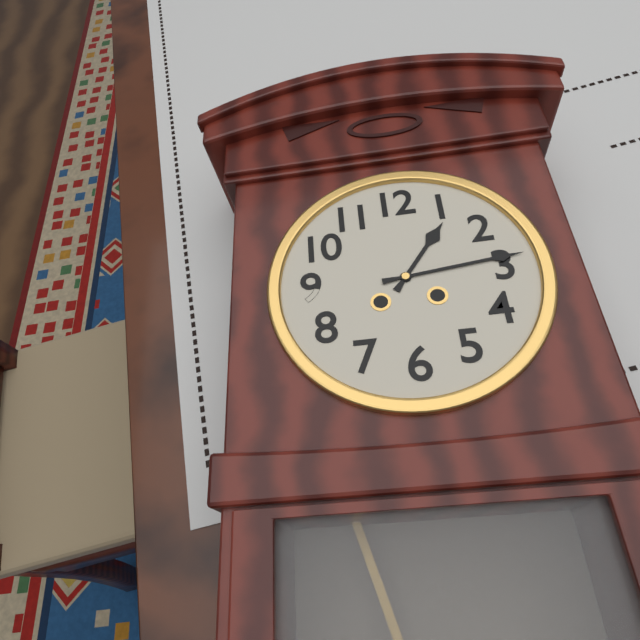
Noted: 1,14
